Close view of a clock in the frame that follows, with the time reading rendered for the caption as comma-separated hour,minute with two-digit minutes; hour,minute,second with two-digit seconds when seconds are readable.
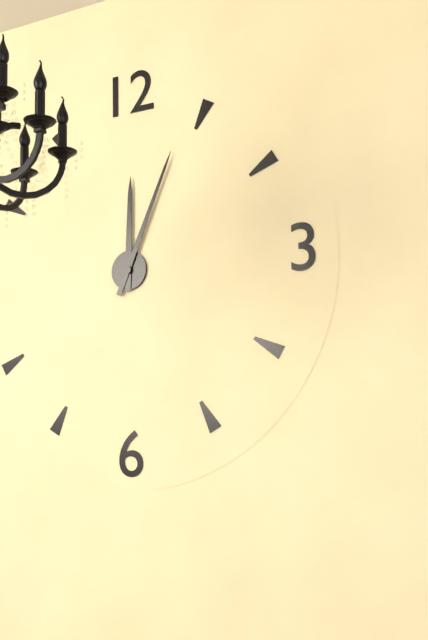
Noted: 12,04
